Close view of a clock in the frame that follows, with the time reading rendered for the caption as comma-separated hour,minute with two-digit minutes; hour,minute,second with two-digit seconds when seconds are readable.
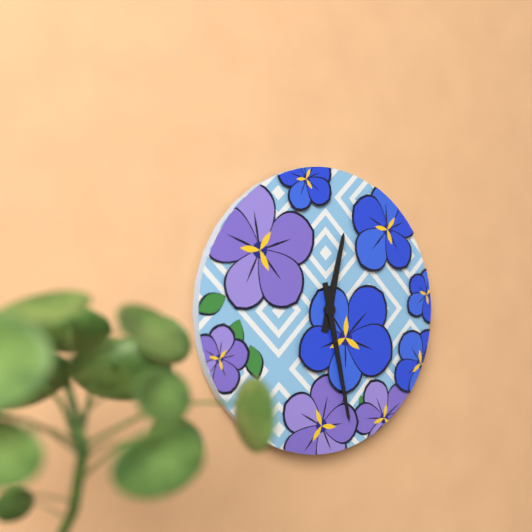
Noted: 12,28
